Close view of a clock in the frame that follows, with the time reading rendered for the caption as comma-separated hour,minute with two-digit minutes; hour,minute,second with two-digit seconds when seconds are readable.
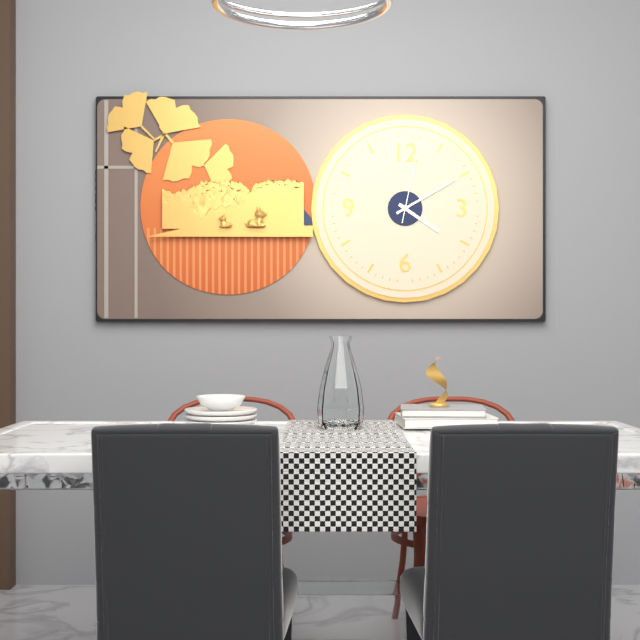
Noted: 4,10,02
